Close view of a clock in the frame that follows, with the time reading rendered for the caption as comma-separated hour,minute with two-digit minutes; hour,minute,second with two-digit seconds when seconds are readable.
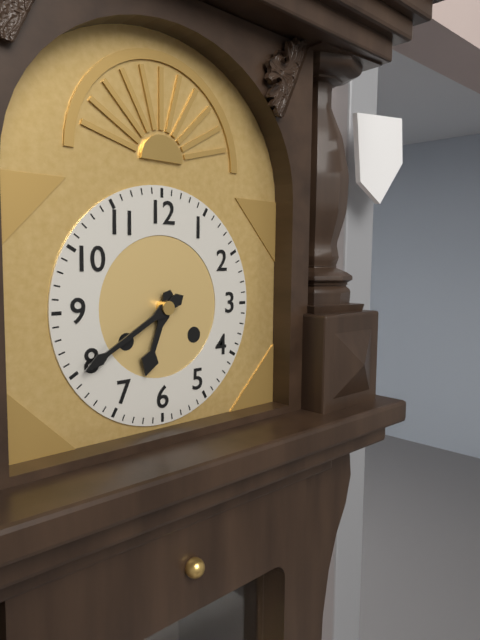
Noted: 6,40
